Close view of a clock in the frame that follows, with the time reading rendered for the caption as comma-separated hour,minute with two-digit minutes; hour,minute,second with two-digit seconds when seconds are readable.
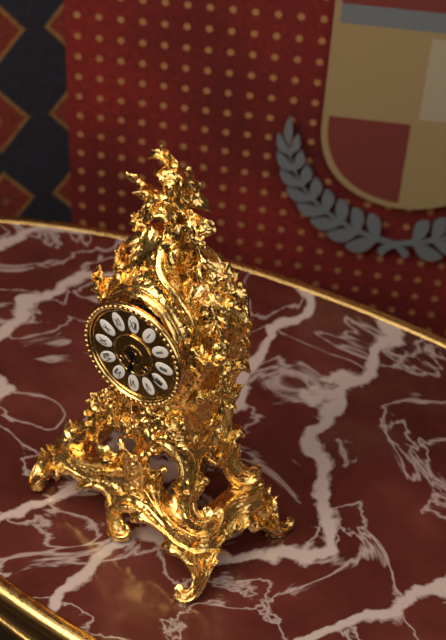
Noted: 6,20
